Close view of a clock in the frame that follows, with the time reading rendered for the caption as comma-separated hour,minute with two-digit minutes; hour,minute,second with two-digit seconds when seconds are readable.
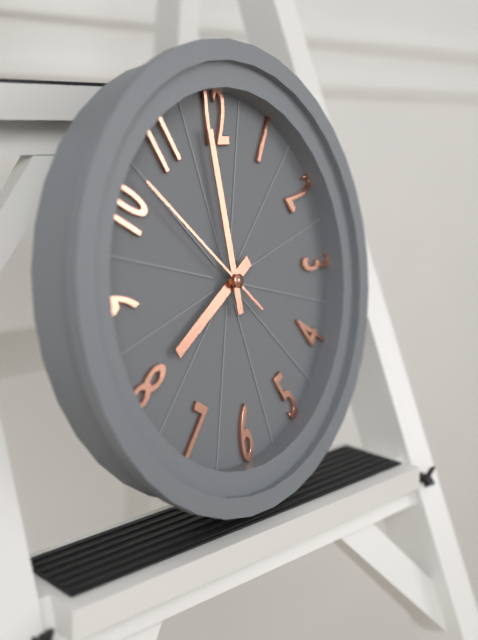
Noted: 7,59,52
